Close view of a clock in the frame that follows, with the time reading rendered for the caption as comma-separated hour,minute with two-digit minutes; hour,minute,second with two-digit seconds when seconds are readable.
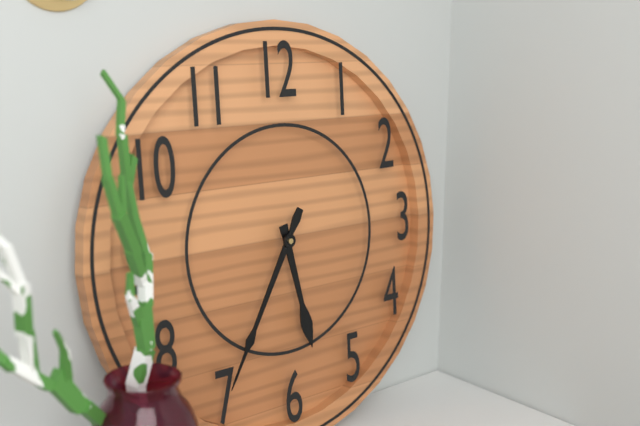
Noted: 5,35
